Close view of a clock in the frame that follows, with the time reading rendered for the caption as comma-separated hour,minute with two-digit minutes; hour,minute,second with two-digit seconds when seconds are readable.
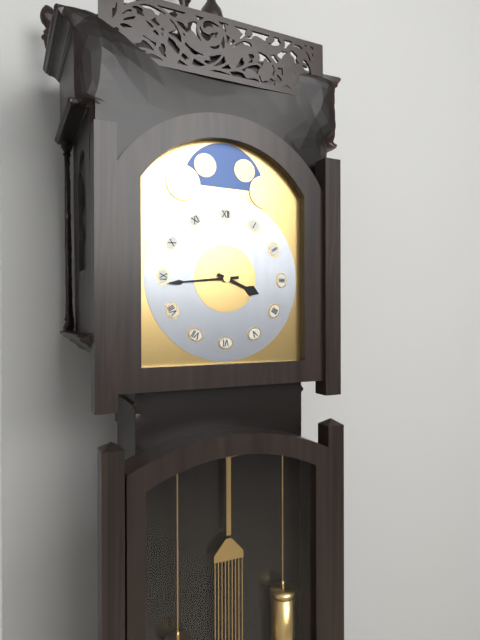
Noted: 3,44
